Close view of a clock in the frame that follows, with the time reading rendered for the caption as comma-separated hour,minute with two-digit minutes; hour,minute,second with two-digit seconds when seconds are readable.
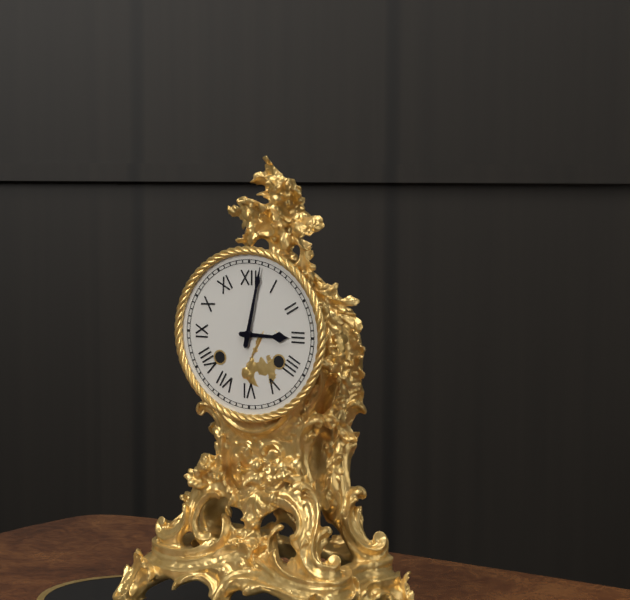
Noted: 3,02
